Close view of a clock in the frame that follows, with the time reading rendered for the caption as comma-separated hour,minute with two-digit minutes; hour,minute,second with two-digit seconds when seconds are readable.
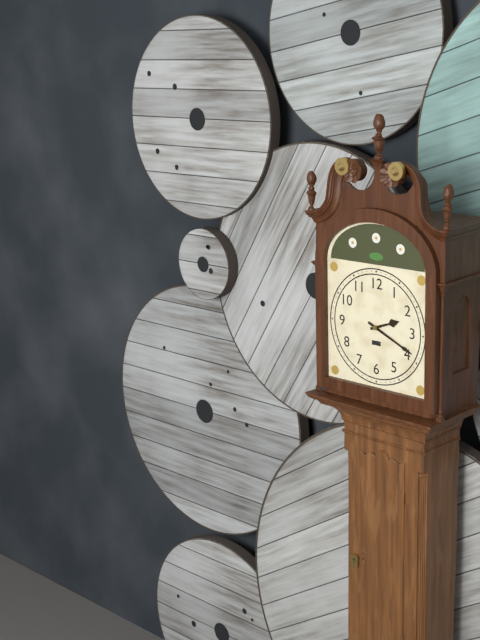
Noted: 2,19
